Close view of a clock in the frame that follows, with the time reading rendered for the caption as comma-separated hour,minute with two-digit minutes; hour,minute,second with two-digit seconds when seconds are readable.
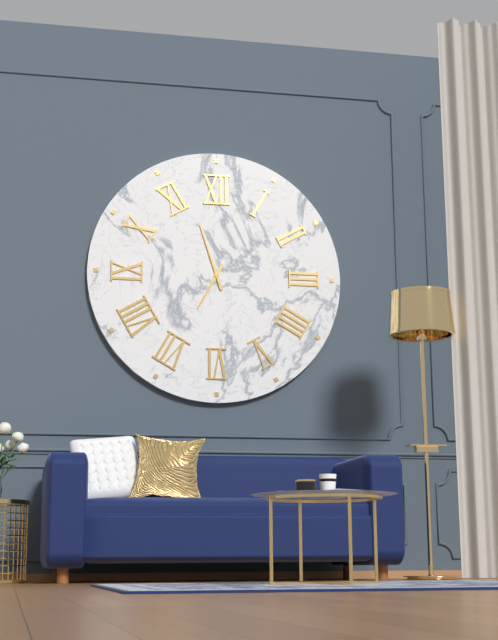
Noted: 6,57
